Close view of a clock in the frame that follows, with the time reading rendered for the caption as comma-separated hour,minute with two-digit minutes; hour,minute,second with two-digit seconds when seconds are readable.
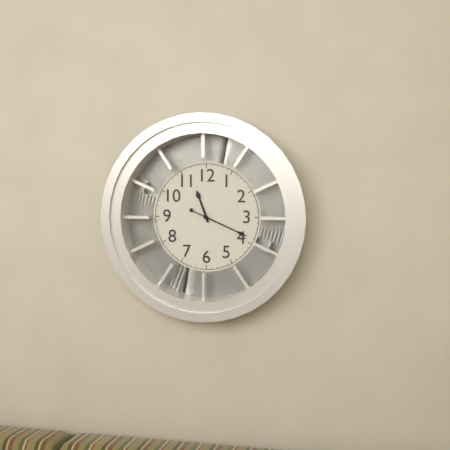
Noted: 11,19
